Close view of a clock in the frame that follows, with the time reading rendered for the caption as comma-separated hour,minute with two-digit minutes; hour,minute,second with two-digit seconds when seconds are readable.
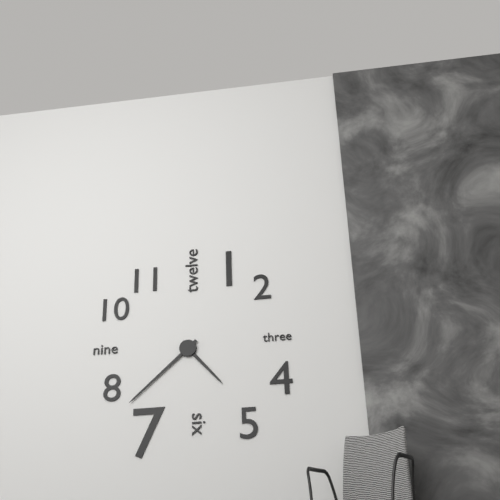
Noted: 4,38
